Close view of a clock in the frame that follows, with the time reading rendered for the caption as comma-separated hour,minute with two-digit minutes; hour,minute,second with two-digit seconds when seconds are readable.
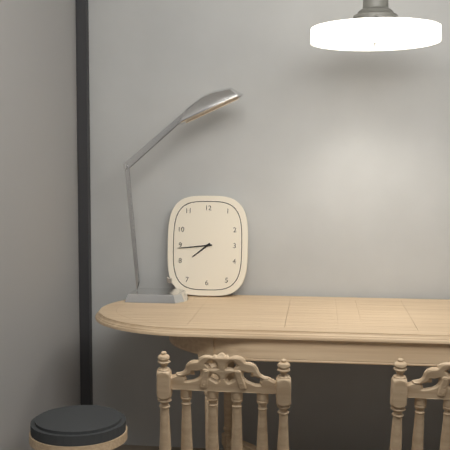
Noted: 7,44
